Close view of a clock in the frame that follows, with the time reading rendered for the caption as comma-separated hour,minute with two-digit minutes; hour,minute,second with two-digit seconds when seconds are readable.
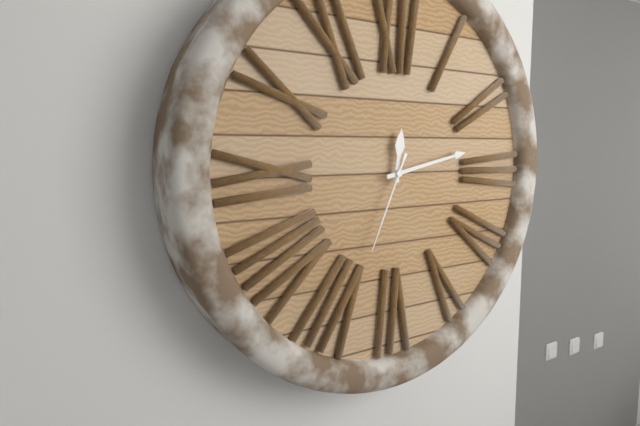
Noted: 12,13,34
